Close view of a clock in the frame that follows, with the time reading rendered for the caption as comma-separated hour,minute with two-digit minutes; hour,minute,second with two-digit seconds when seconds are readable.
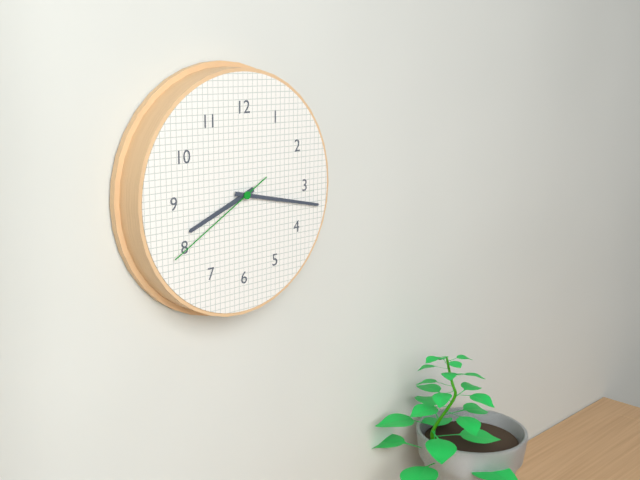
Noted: 8,17,40
